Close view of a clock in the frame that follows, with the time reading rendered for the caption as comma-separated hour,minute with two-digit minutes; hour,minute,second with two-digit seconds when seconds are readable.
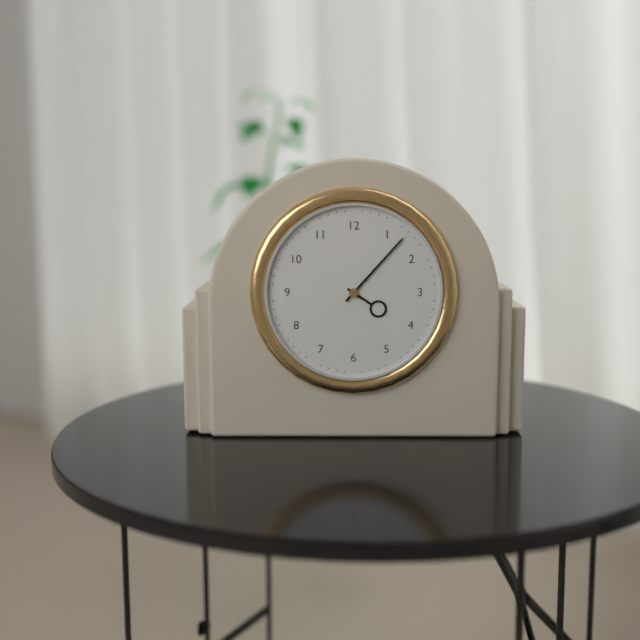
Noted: 4,07
